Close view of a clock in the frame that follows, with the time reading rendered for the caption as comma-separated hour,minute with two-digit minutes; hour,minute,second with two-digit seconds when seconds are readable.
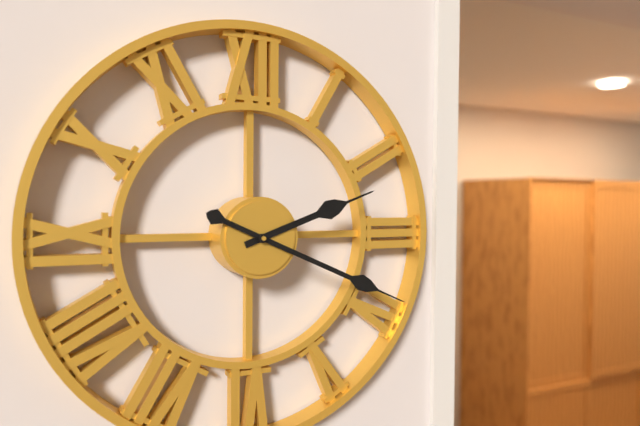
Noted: 2,19
